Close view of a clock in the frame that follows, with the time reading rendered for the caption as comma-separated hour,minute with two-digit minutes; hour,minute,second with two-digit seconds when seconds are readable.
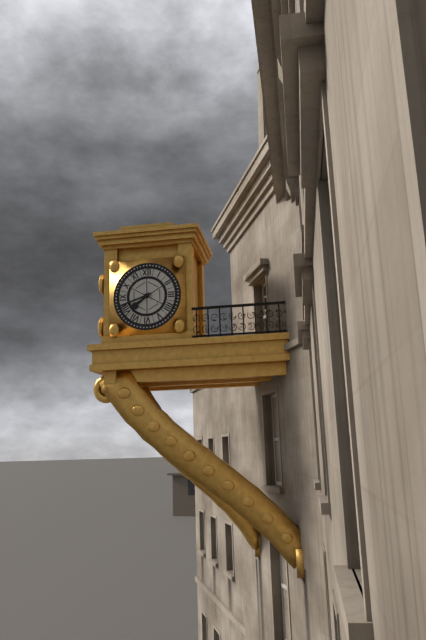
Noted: 7,42
